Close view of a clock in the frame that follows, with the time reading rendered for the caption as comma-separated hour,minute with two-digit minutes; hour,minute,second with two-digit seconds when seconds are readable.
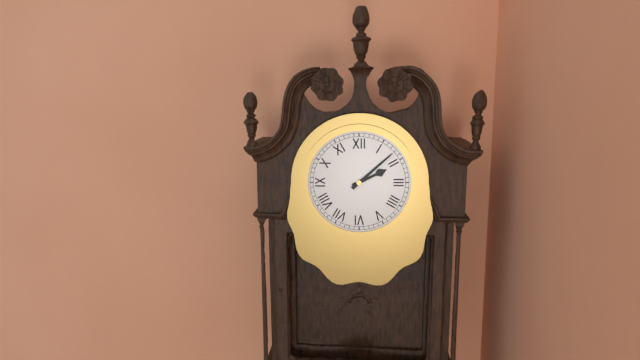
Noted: 2,08
